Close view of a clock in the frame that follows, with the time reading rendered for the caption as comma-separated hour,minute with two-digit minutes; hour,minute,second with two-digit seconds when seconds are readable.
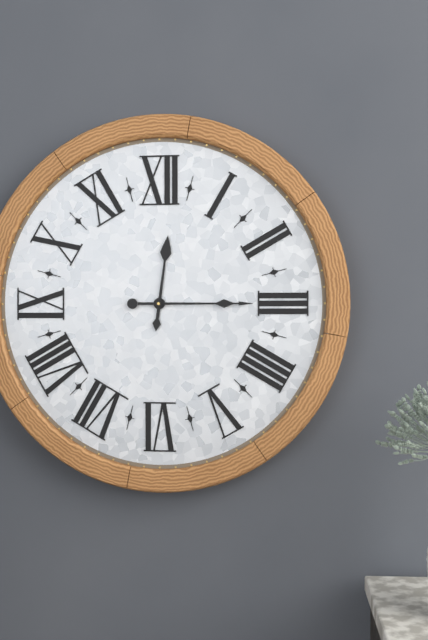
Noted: 12,15
